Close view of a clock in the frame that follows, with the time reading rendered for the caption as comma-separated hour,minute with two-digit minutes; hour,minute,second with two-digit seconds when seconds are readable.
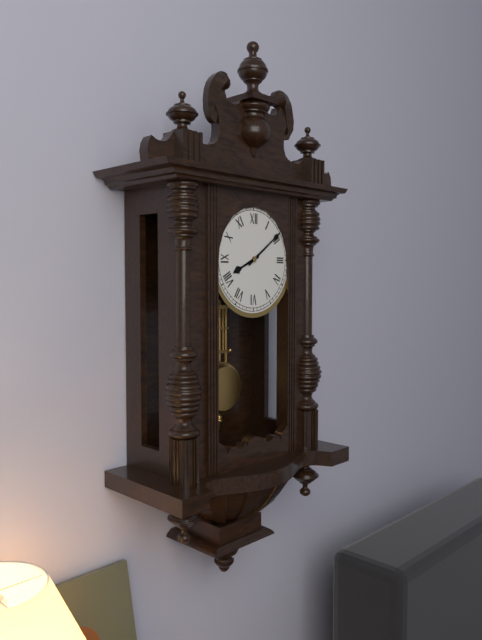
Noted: 8,09
